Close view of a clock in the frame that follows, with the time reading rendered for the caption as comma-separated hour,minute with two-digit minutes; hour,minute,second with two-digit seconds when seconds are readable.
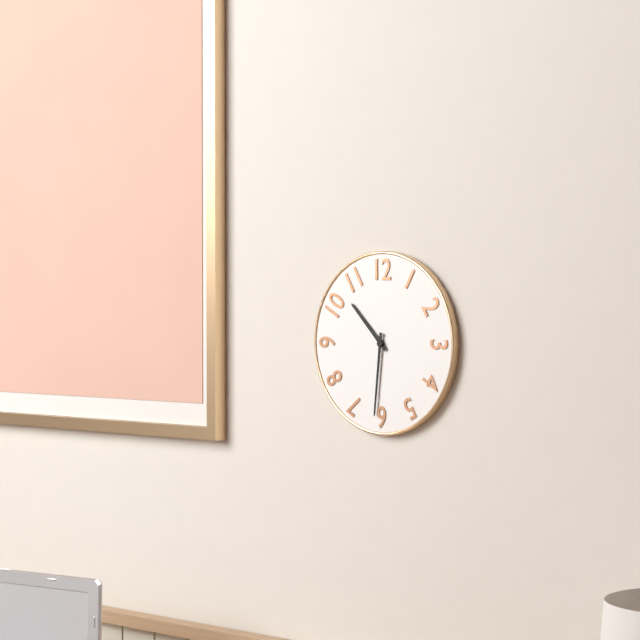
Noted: 10,31
